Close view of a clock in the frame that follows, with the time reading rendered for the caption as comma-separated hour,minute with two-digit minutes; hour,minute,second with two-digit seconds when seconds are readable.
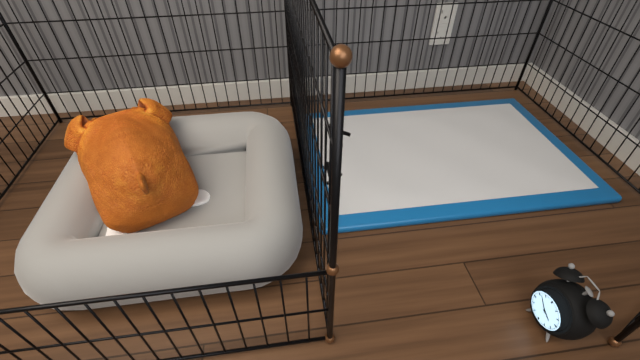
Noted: 3,52
